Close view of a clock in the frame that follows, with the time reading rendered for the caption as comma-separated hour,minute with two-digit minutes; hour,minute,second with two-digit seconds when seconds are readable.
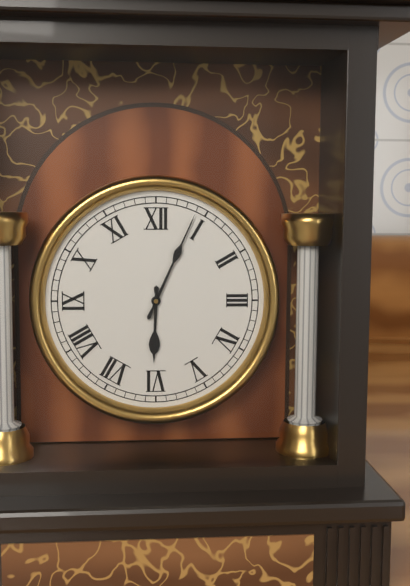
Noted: 6,04
